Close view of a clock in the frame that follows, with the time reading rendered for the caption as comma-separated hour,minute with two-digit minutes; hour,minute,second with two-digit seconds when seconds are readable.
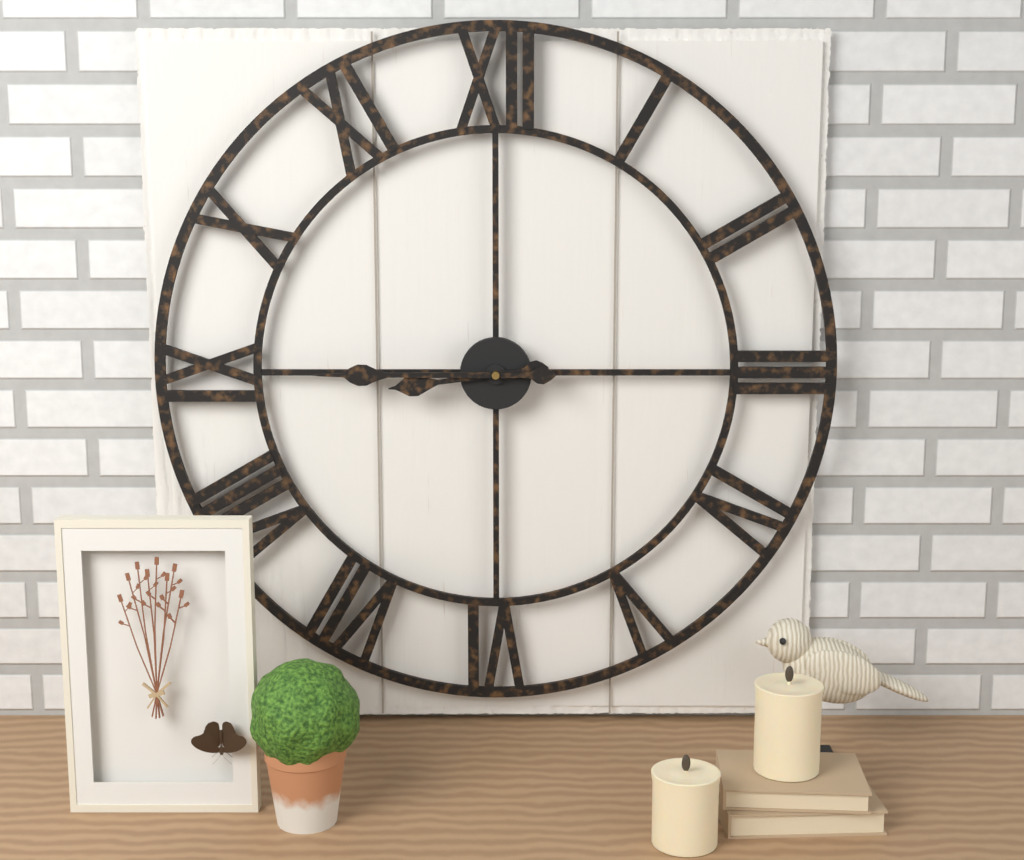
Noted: 8,45
